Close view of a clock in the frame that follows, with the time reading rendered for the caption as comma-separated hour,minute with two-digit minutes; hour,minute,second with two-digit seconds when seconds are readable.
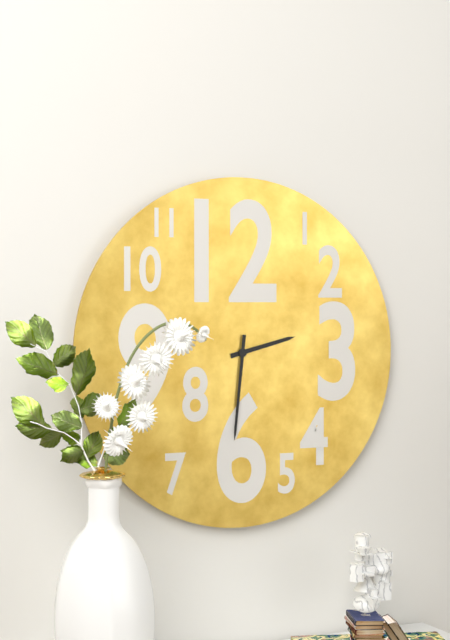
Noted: 2,31
